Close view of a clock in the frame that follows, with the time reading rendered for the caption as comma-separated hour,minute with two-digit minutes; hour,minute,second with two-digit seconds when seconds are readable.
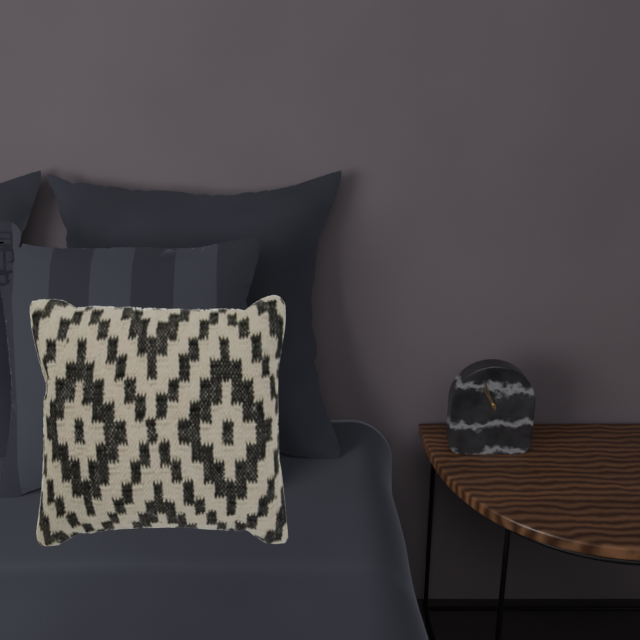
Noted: 10,56
